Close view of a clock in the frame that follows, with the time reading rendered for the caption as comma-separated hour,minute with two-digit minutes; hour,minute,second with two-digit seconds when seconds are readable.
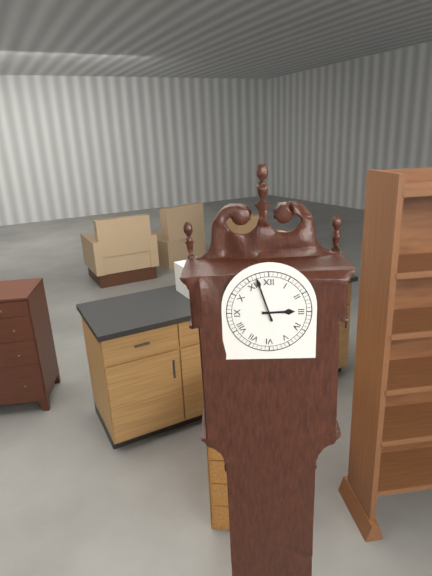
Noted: 2,57
